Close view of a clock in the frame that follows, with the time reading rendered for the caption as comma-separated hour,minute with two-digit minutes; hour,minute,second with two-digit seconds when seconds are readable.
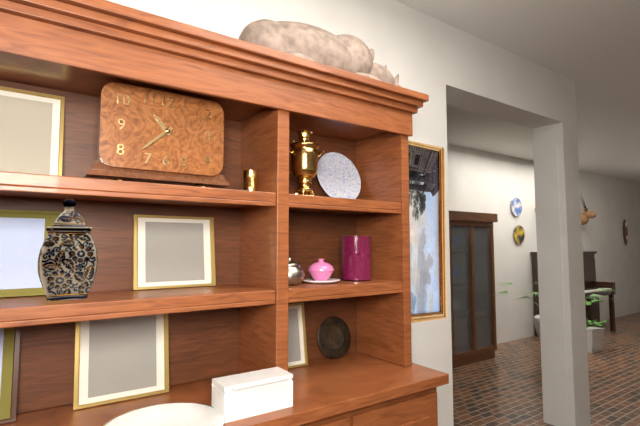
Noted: 10,38
